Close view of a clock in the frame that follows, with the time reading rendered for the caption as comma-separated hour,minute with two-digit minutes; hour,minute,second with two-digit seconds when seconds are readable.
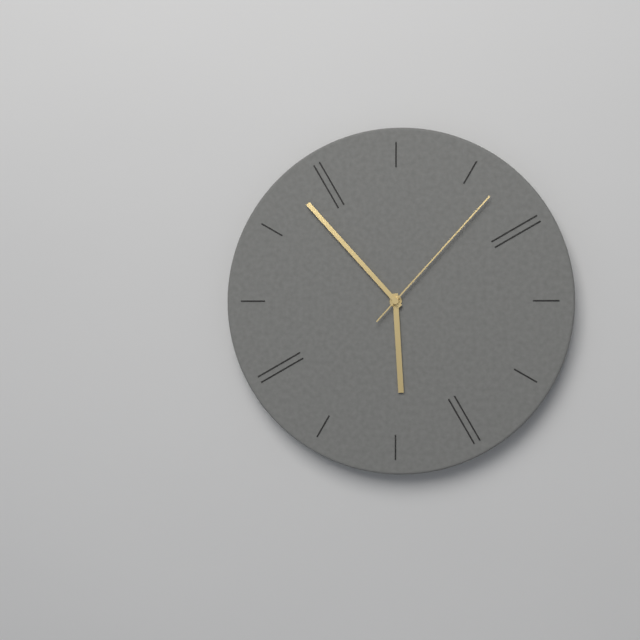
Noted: 5,53,07
